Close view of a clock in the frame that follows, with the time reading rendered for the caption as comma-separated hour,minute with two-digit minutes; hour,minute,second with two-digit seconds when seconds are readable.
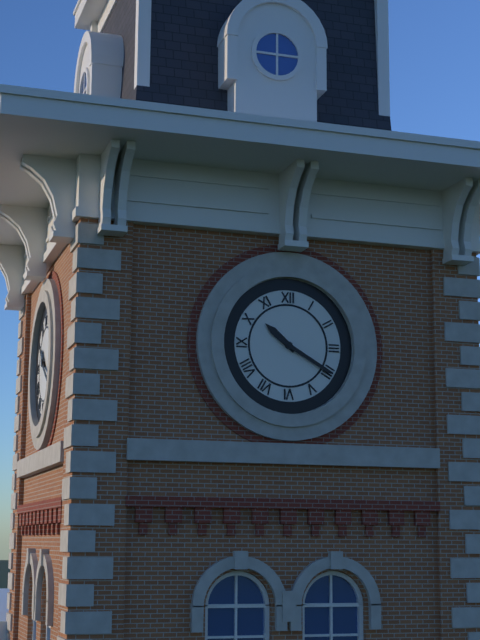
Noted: 10,20
